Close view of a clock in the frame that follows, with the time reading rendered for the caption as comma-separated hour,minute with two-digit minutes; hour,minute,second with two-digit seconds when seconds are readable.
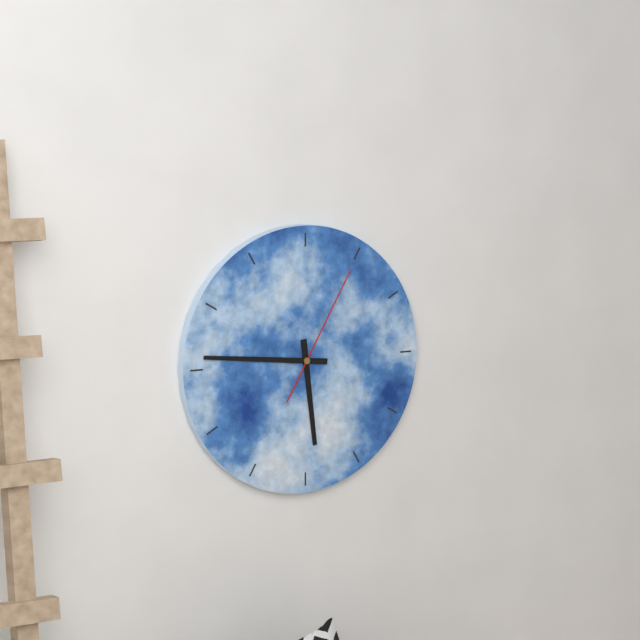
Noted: 5,46,05
